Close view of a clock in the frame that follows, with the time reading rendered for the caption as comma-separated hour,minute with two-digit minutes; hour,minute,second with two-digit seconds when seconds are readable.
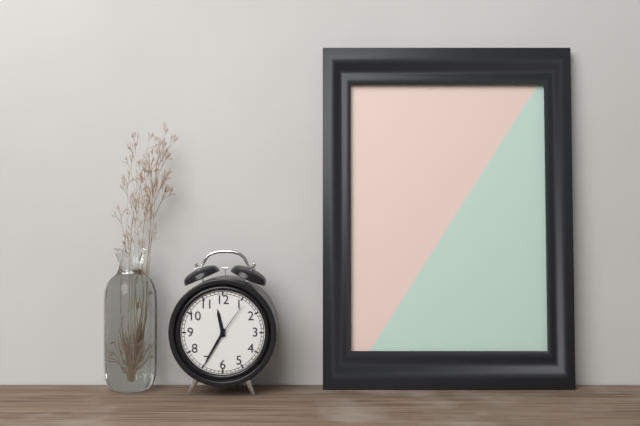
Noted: 11,35
